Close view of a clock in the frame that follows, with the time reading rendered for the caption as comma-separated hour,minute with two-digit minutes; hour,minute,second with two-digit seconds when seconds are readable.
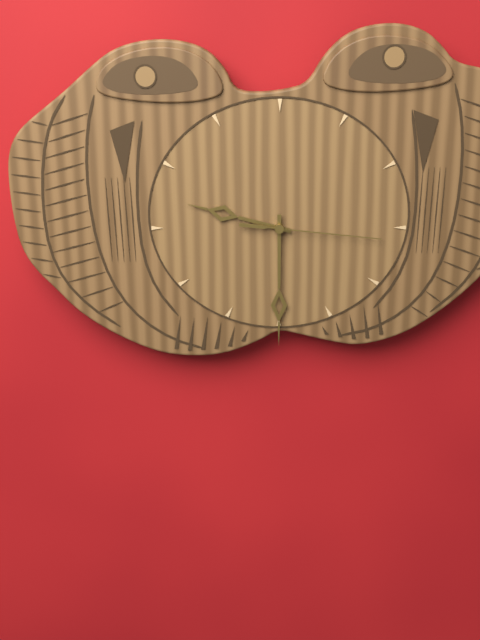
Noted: 9,30,16
